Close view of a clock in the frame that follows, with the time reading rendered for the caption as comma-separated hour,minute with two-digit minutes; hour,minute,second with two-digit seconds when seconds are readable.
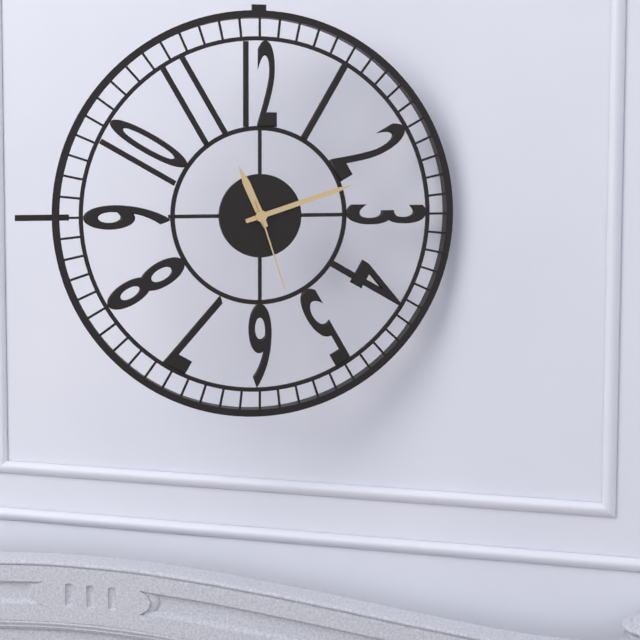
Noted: 11,12,27
